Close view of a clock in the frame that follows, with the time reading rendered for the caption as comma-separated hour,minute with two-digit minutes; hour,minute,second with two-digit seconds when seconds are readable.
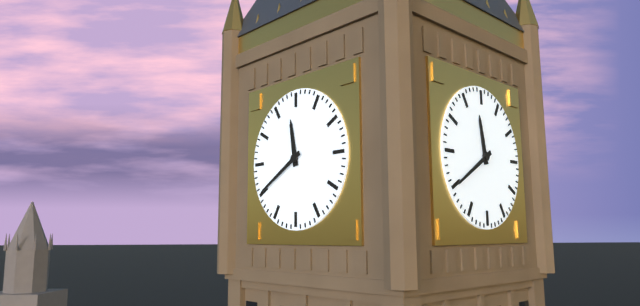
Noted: 11,40
